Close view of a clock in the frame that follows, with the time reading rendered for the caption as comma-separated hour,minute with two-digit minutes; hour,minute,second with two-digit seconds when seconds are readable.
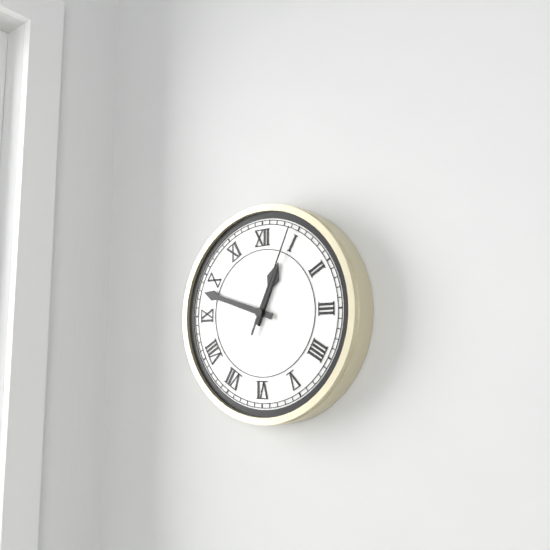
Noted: 12,48,04
